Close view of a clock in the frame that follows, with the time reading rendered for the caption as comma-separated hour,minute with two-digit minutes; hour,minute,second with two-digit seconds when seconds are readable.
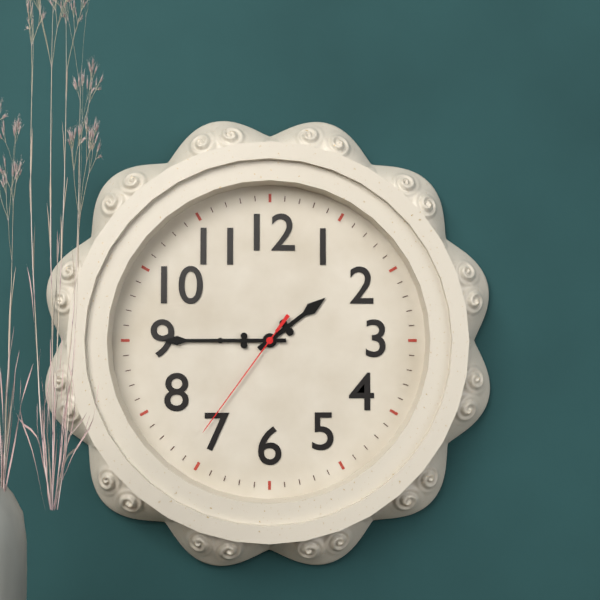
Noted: 1,45,36
